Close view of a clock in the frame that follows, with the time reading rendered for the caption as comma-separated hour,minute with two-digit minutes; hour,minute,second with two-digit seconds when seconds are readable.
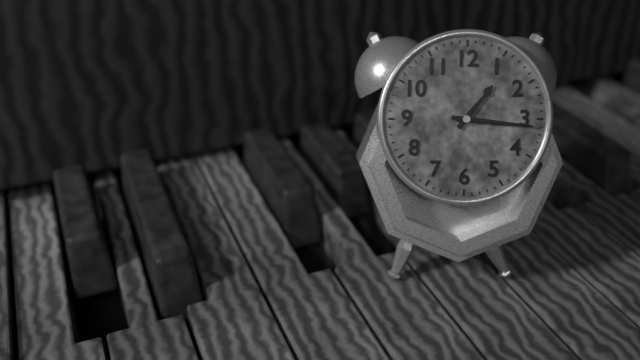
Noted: 1,16
